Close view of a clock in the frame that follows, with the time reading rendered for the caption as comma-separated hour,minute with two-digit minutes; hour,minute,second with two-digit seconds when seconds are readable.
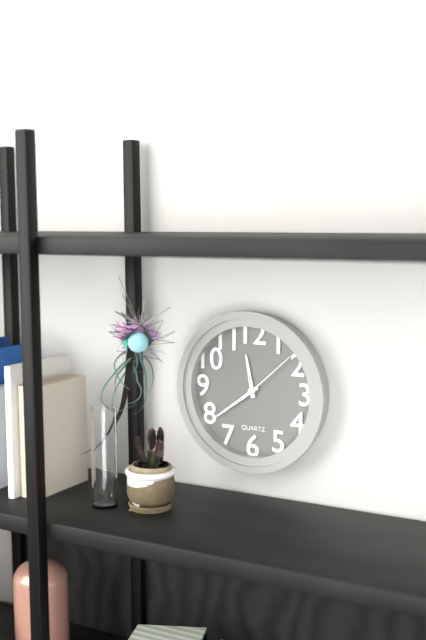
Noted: 11,39,08
